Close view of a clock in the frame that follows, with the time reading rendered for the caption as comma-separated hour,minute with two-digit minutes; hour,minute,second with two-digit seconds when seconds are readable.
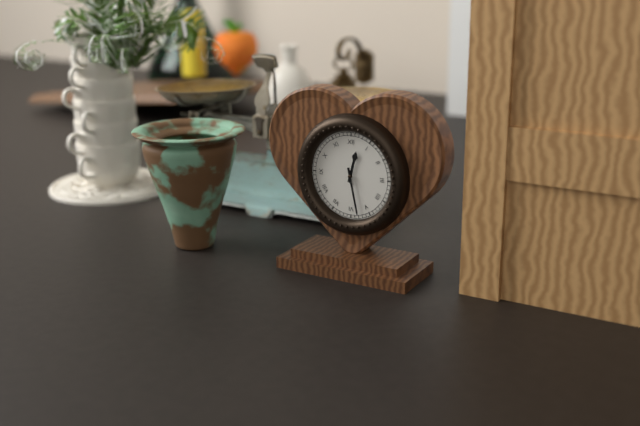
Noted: 12,28
